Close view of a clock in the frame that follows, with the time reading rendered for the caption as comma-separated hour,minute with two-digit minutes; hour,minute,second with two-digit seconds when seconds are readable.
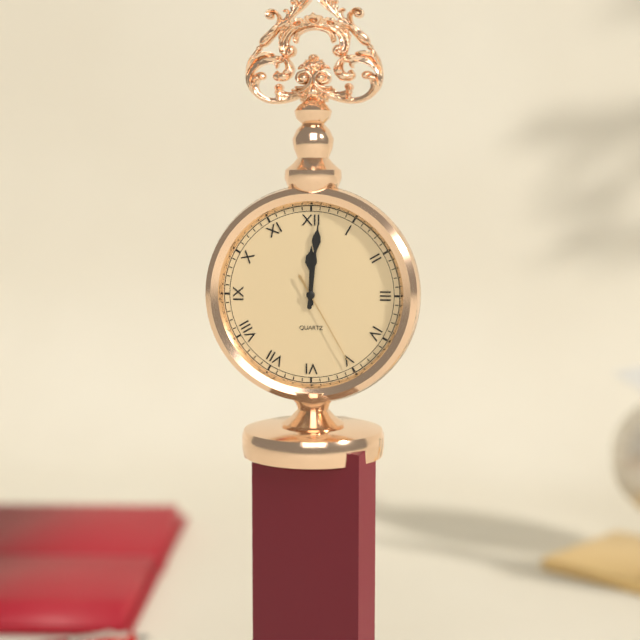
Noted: 12,01,25
